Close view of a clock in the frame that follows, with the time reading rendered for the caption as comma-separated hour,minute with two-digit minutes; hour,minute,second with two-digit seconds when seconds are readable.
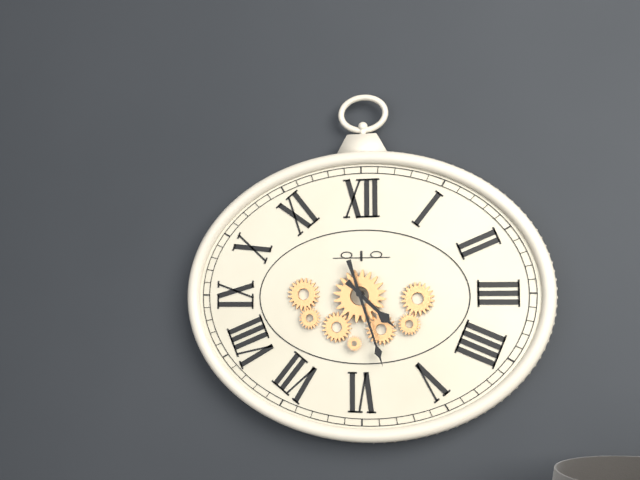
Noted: 4,27
